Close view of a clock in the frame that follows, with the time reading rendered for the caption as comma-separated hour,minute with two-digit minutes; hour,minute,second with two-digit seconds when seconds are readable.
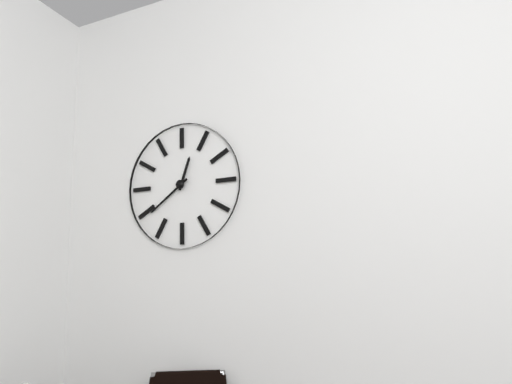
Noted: 12,39
